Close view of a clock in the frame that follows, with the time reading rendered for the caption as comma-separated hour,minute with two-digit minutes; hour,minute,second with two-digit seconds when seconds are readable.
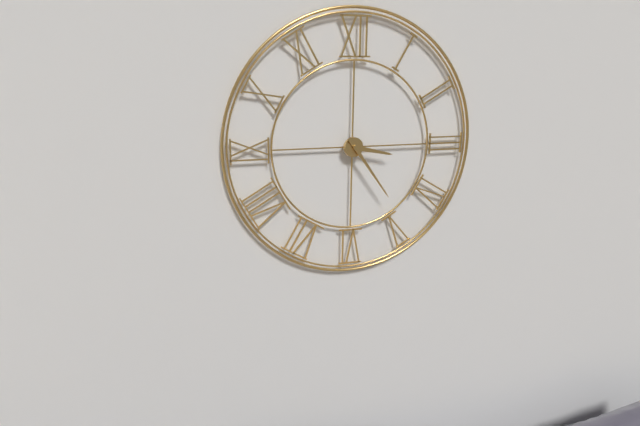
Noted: 3,24
